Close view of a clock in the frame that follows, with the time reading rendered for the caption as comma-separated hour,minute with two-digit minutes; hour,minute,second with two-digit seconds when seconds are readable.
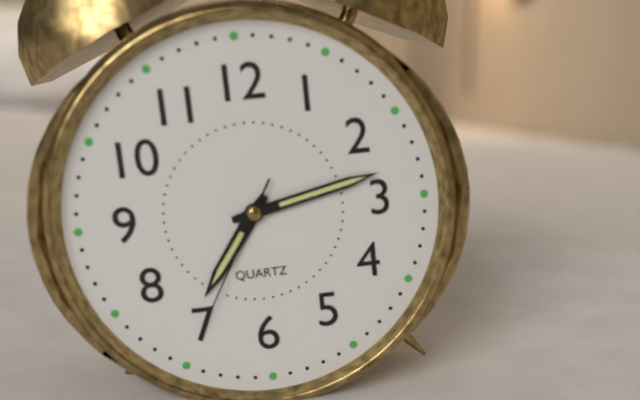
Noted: 7,13,35
